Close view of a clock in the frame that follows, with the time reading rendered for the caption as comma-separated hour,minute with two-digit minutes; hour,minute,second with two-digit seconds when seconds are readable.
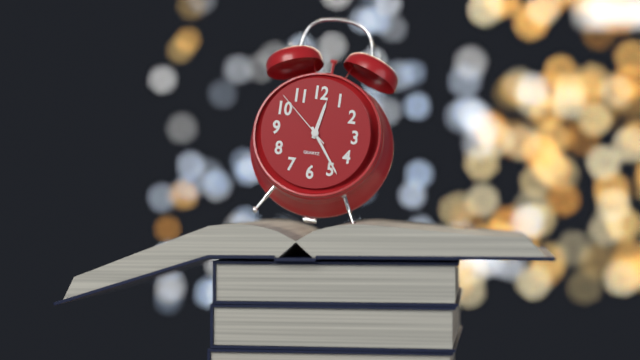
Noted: 12,24,52
